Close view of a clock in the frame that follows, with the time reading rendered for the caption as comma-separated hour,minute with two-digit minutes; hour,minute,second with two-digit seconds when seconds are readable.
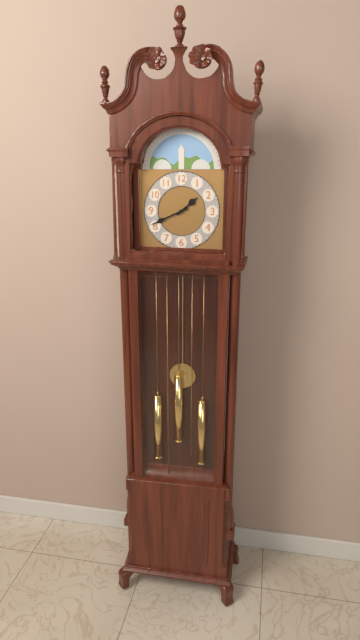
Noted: 1,41
